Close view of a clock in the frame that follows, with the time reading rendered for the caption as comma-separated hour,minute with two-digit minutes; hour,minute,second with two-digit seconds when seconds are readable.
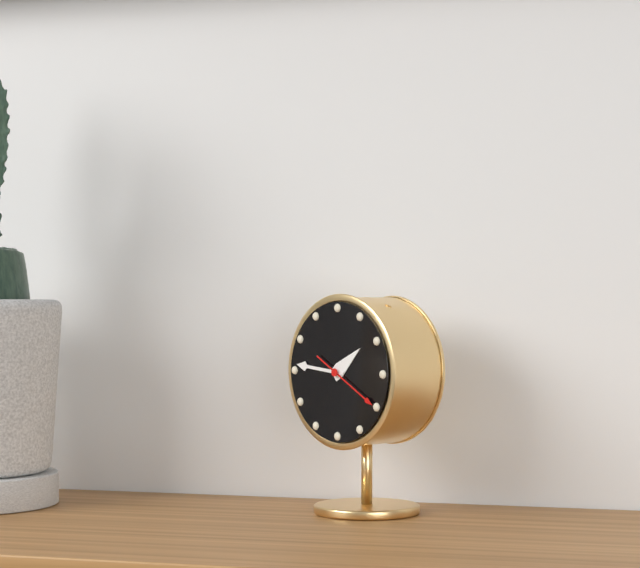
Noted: 1,46,20
